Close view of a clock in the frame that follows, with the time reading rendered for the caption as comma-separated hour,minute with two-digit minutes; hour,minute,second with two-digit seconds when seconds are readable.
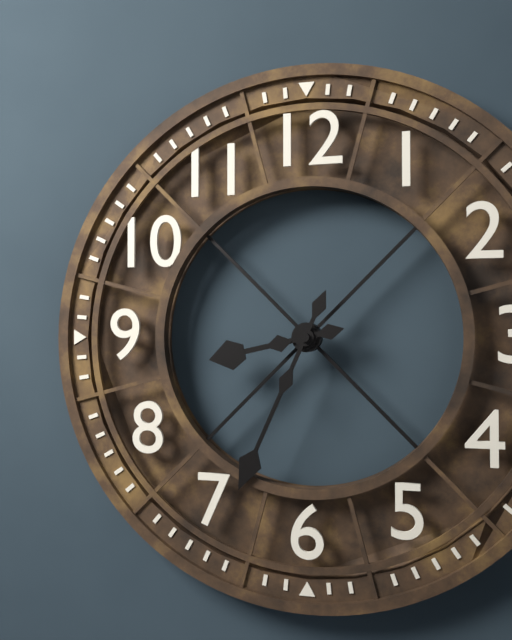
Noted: 8,34
